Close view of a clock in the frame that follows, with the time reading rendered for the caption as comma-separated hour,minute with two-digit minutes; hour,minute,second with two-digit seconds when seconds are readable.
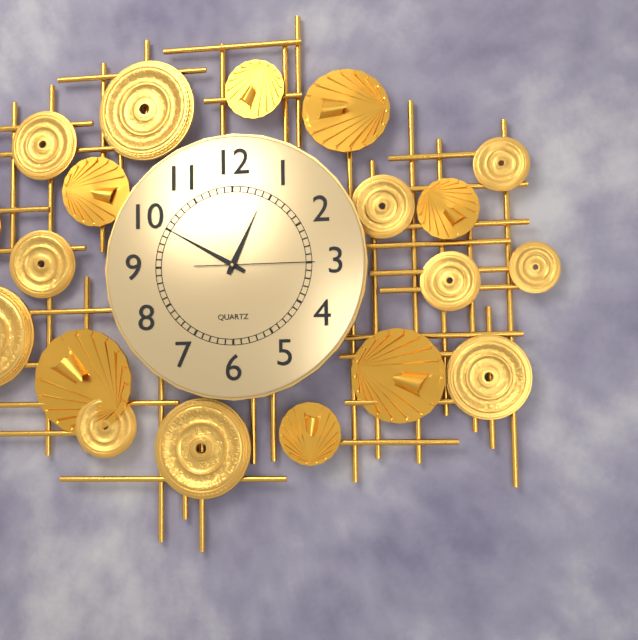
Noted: 12,50,15
